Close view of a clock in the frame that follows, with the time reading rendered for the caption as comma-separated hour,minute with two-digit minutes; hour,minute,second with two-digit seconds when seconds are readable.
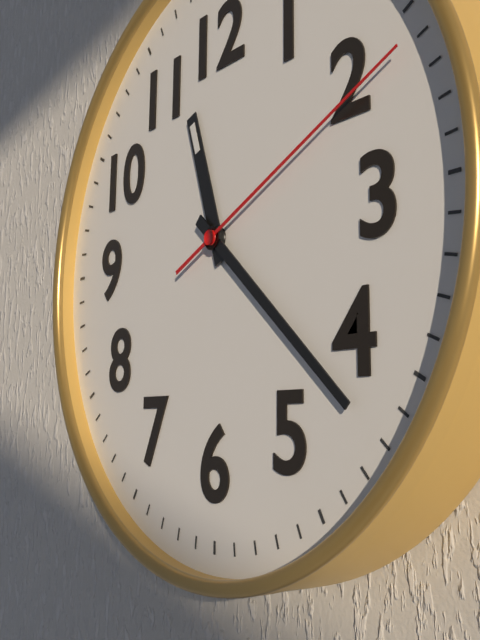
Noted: 11,22,11
